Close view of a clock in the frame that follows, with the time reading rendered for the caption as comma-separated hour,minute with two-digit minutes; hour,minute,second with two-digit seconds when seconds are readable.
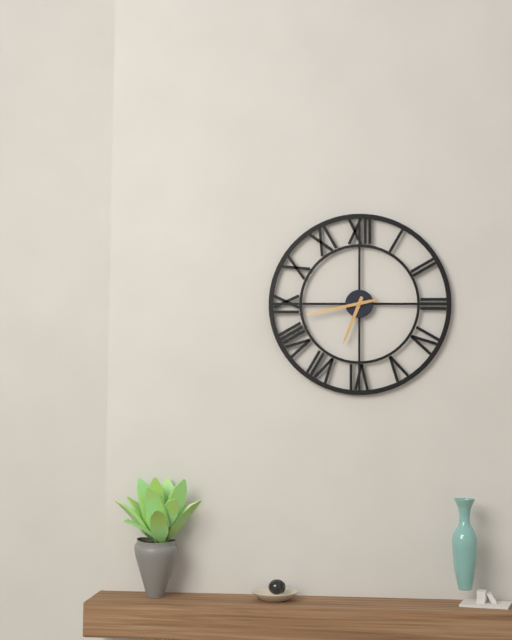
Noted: 6,43
